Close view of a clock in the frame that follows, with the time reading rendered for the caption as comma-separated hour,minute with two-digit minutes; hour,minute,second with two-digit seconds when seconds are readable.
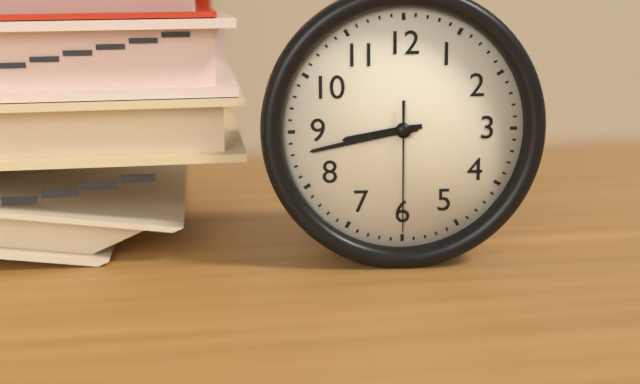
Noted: 8,43,30
